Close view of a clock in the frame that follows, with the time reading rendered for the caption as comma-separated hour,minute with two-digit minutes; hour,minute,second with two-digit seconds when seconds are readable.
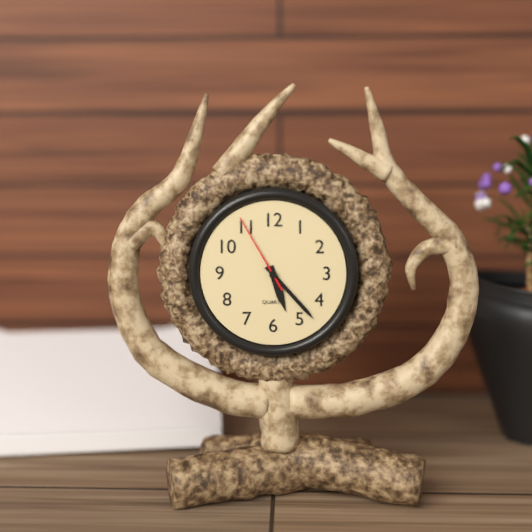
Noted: 5,23,55
